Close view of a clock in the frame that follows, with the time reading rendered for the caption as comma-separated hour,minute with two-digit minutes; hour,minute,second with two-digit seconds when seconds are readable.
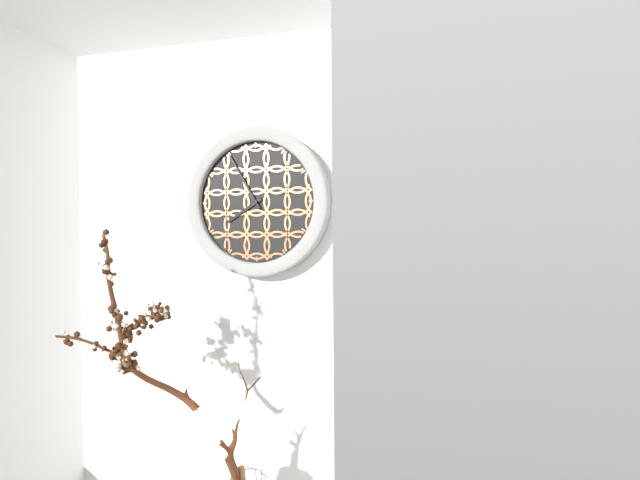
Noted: 7,55
